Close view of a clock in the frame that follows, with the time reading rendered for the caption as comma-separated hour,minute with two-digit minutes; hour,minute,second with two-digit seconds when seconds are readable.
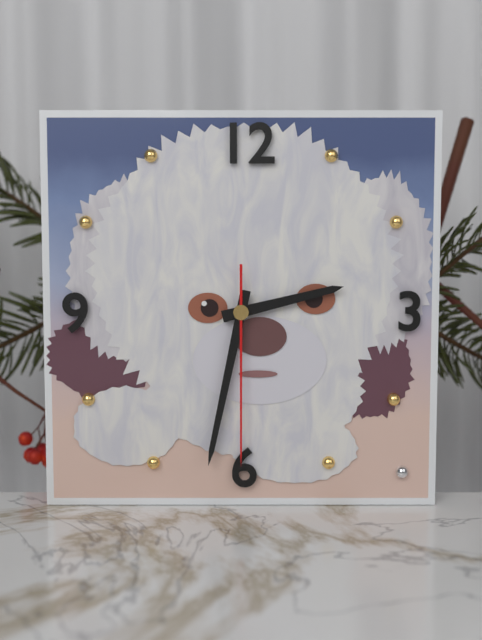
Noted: 2,32,30
